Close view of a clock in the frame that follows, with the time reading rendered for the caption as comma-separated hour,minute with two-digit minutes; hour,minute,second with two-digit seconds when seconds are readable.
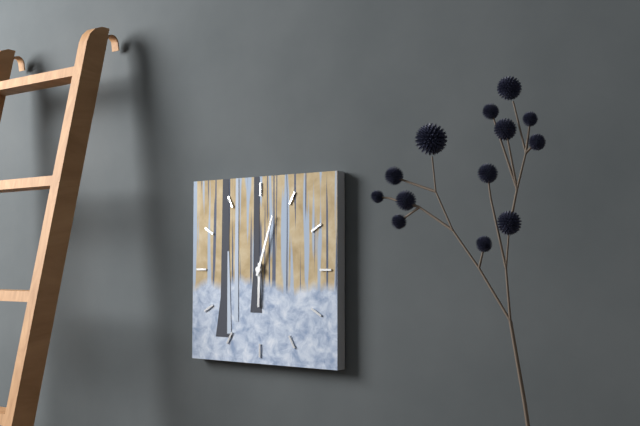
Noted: 6,03
